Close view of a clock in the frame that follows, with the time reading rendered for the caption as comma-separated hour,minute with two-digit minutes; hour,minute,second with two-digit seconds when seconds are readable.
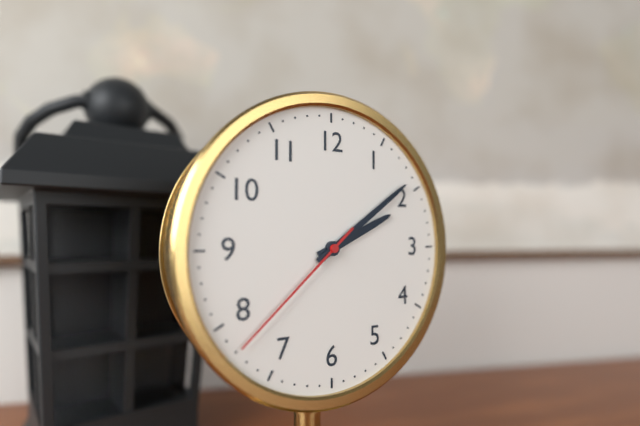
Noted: 2,09,38
